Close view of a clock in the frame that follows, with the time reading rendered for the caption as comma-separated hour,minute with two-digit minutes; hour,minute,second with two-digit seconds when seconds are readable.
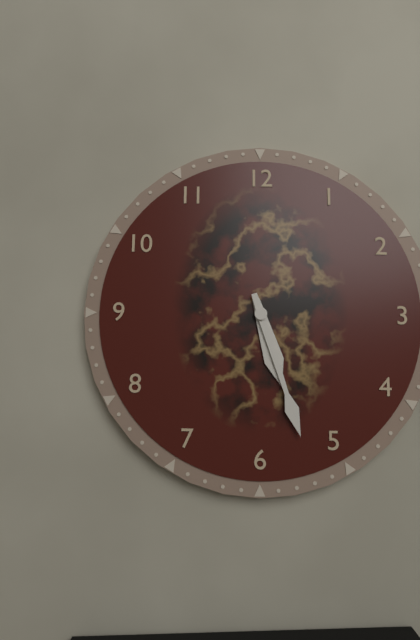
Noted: 5,27
